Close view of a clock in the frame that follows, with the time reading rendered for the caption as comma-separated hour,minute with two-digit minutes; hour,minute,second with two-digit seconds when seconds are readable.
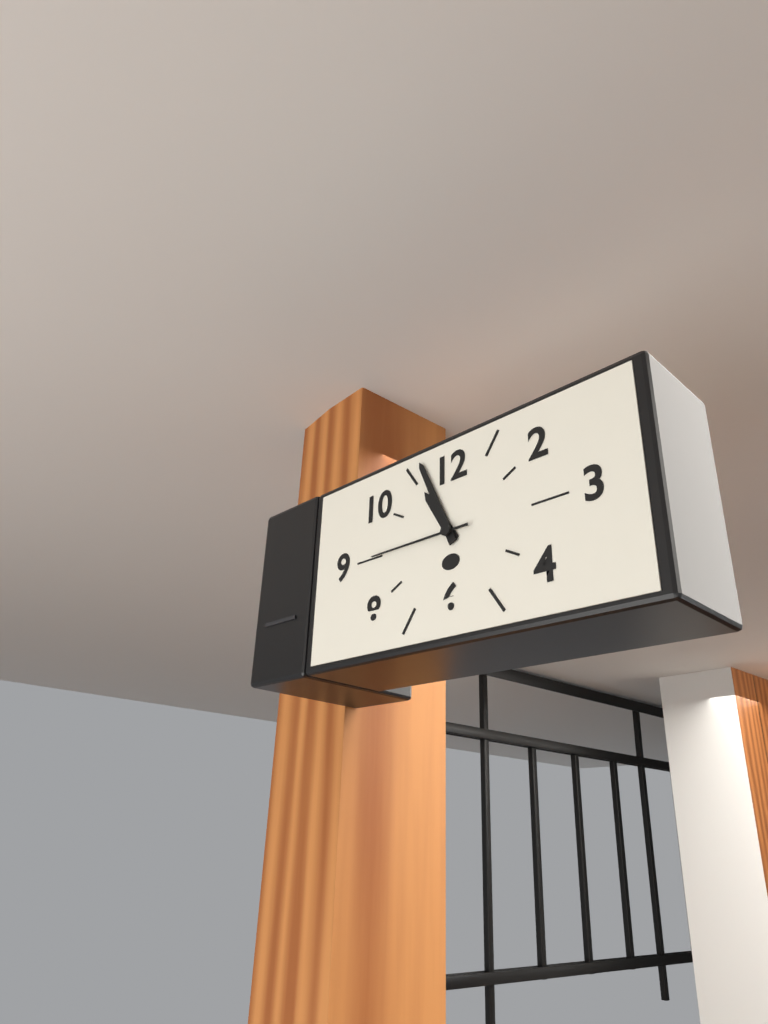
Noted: 10,56,45
